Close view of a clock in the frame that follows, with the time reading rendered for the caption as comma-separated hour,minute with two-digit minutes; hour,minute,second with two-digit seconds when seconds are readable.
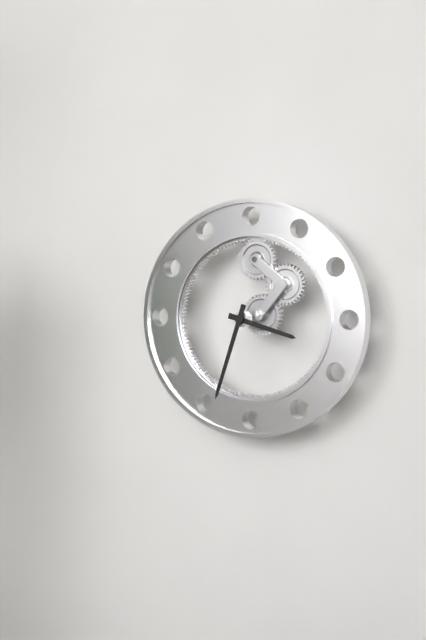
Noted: 3,33
